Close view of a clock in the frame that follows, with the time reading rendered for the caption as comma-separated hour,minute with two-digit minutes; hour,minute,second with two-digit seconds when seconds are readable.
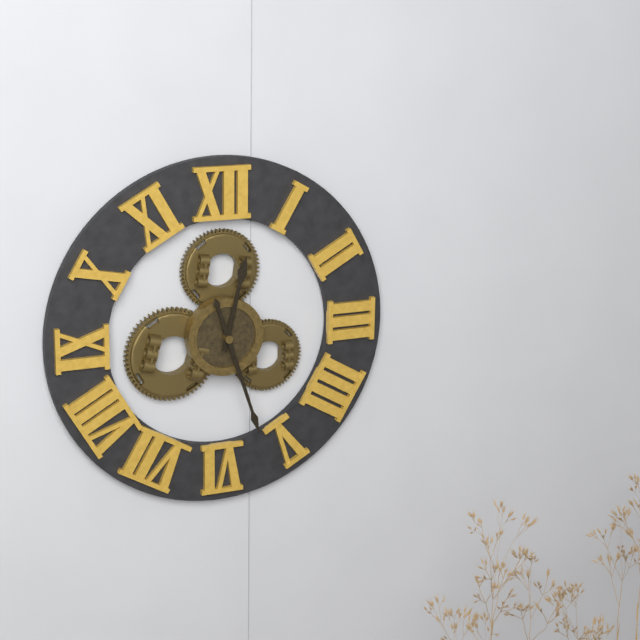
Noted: 12,27
